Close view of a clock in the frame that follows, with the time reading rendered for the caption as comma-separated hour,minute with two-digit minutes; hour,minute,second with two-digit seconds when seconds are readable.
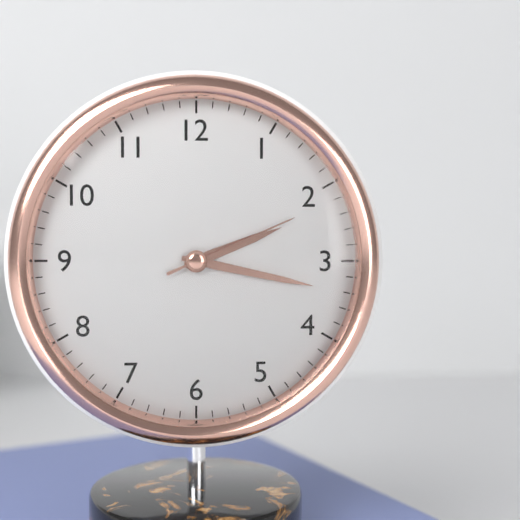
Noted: 2,17,11
